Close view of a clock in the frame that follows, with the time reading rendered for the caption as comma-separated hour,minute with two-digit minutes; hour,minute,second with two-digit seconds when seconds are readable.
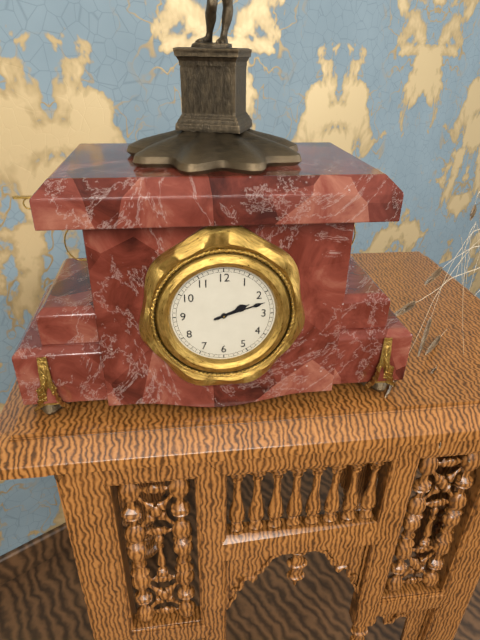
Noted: 2,12
